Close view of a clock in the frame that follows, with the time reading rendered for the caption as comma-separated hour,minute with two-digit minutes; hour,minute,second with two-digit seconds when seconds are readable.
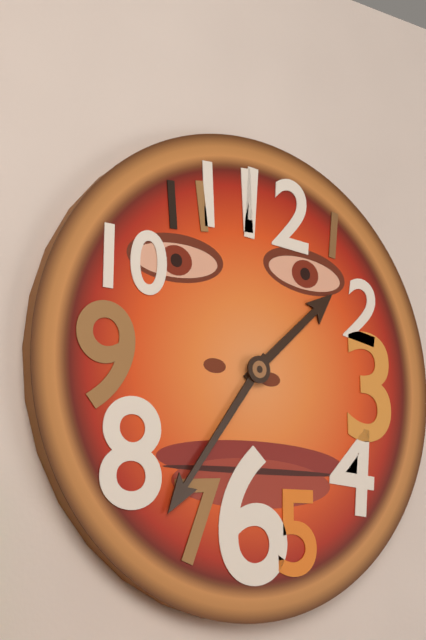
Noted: 1,36
